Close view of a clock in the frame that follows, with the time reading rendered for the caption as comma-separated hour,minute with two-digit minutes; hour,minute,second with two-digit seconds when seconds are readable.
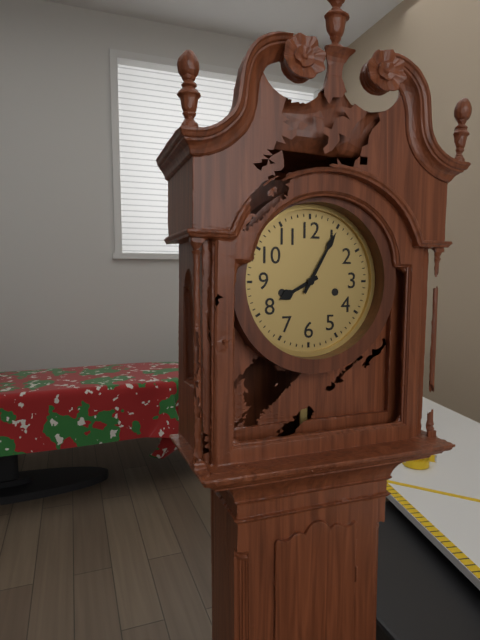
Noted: 8,05
